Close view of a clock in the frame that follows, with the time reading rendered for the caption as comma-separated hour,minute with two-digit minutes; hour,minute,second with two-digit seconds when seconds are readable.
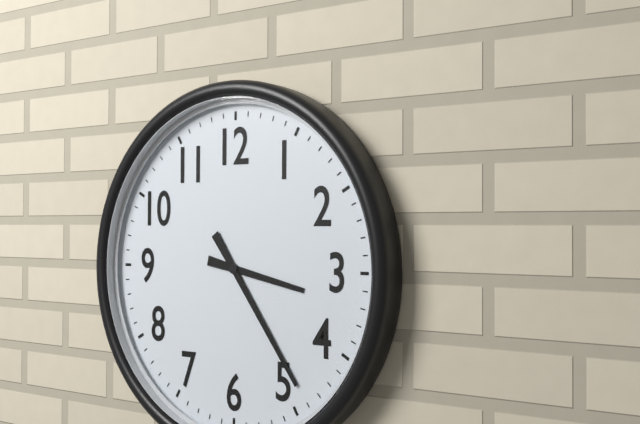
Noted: 3,24
